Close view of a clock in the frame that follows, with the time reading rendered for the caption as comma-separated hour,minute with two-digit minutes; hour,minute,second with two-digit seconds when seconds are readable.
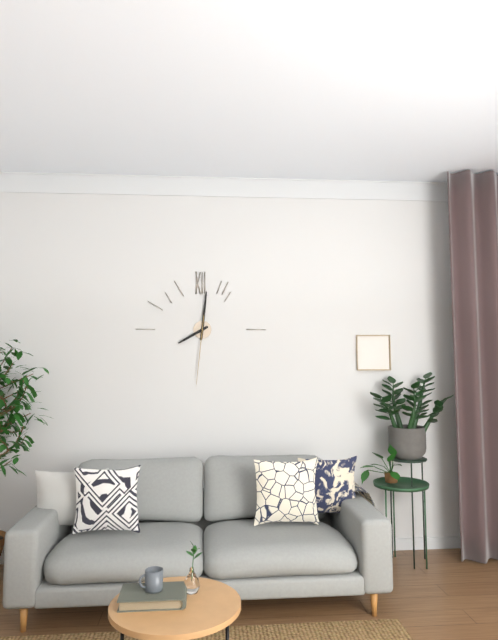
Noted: 8,01,31
